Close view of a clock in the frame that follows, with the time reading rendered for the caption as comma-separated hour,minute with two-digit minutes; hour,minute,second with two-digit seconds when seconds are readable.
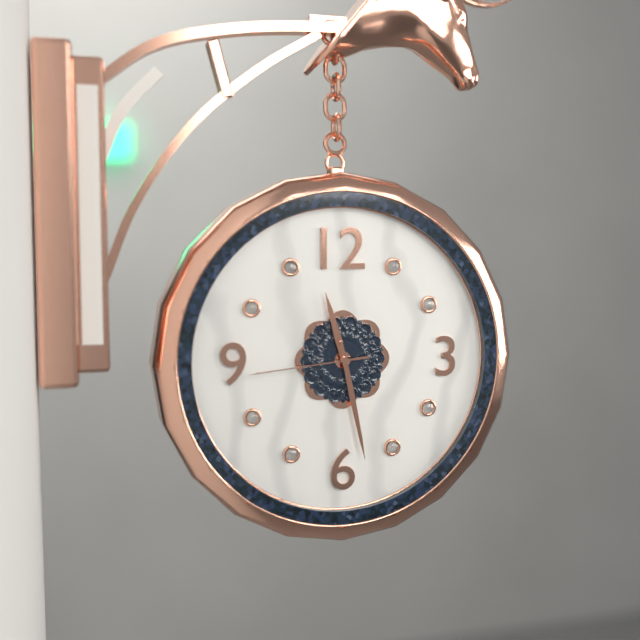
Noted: 11,28,44
